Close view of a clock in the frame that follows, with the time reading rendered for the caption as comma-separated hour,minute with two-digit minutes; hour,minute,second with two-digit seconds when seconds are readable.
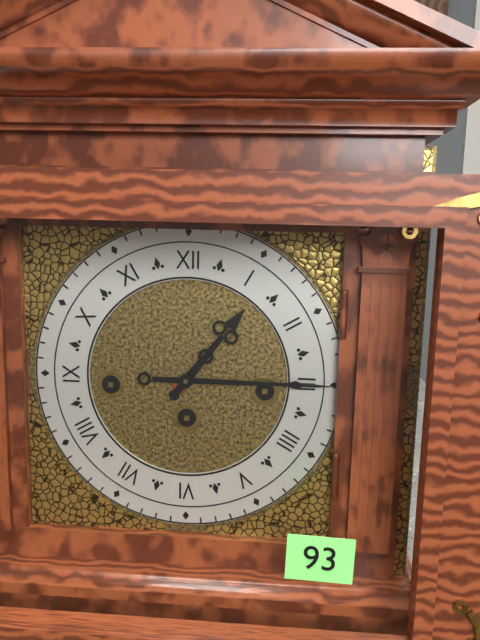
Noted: 1,15
